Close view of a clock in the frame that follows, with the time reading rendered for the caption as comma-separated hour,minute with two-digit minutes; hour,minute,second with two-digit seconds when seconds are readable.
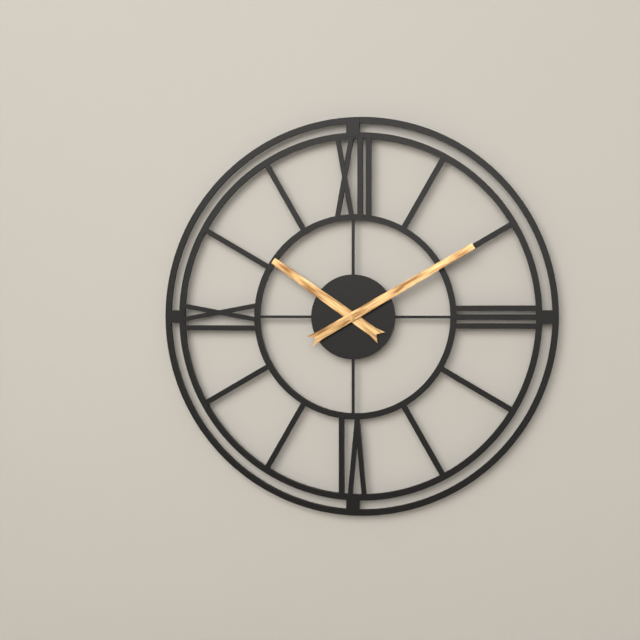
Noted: 10,10
